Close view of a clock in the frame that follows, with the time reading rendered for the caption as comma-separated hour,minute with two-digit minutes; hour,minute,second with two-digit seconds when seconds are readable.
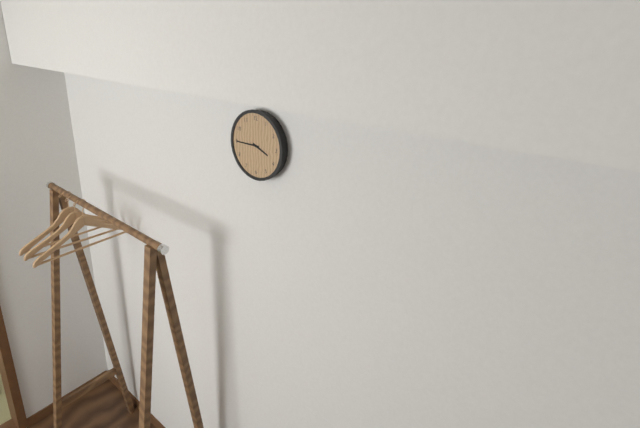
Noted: 3,45
